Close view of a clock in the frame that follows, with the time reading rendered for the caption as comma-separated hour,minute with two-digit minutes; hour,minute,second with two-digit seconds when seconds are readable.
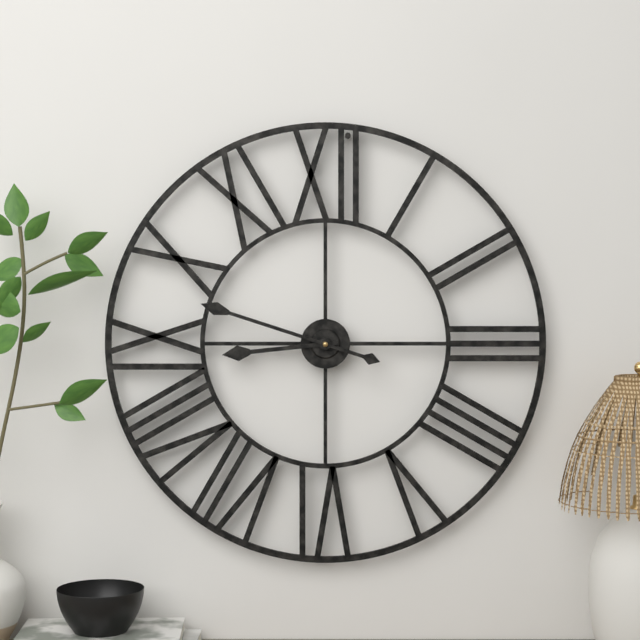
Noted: 8,48
